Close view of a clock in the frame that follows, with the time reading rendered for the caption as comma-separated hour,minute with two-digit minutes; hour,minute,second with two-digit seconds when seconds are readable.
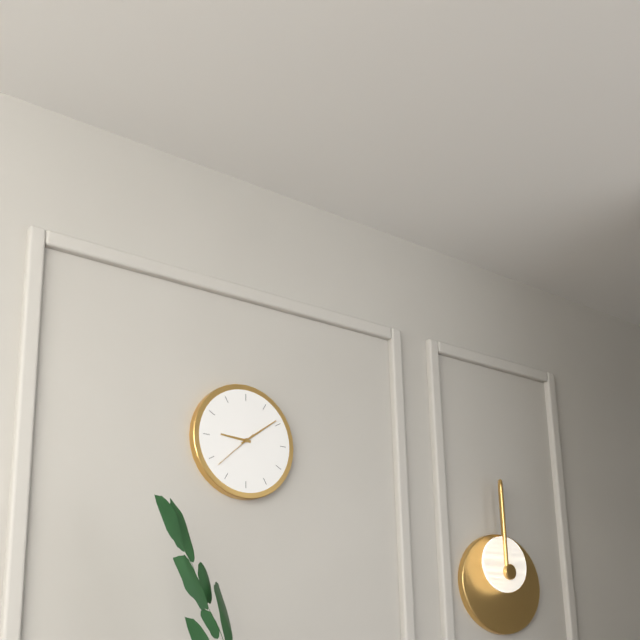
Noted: 9,09
